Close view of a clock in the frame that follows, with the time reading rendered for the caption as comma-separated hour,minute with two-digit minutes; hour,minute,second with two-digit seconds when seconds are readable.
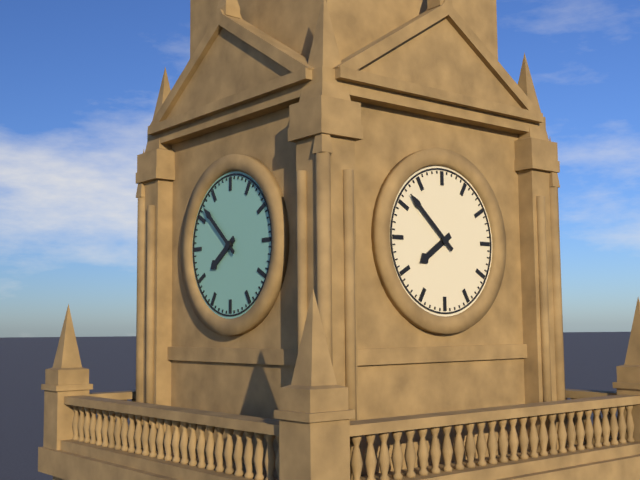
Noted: 7,52
